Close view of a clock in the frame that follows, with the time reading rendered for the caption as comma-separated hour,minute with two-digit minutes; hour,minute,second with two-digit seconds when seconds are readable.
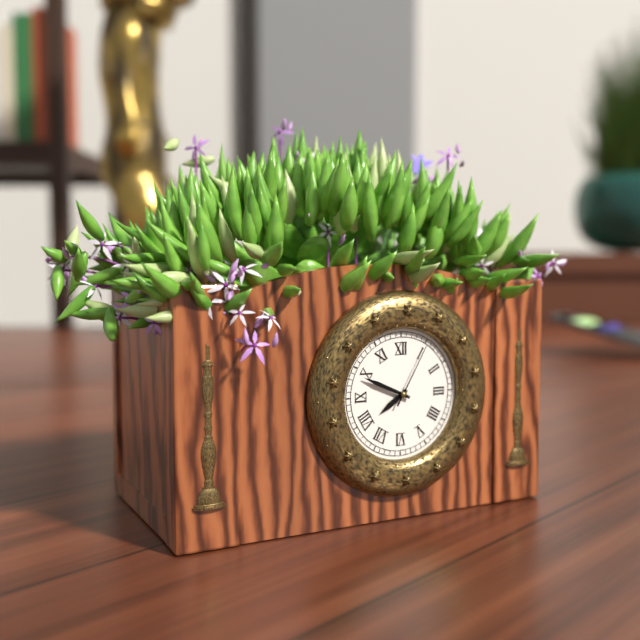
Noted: 7,49,05
